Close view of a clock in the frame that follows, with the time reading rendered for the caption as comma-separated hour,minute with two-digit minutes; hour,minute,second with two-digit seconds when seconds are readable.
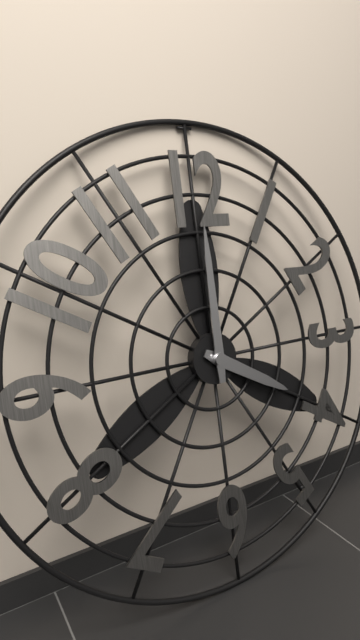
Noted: 4,00
